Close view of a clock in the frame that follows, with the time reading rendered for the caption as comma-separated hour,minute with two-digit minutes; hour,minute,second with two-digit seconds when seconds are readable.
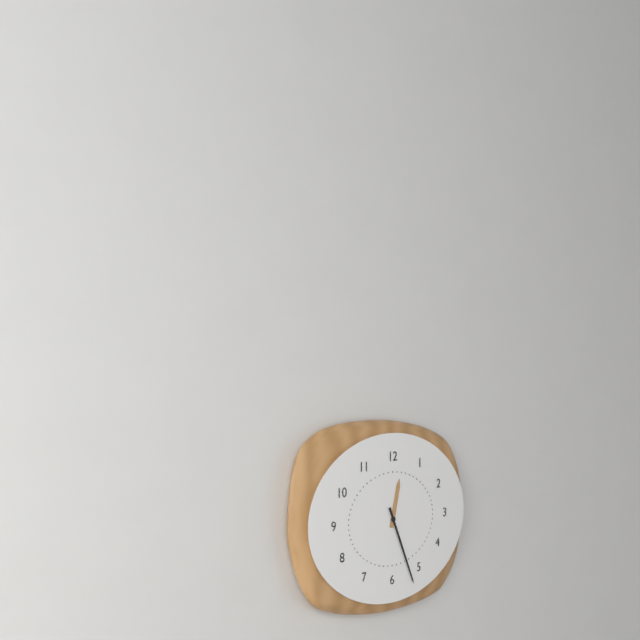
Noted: 12,26
